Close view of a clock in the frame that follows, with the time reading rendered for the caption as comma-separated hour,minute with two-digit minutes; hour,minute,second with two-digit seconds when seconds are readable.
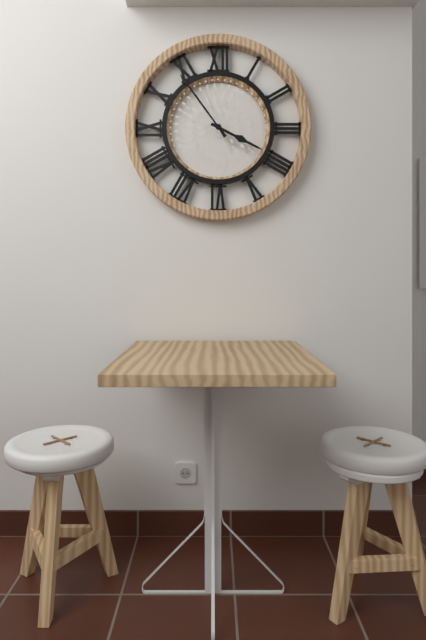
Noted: 3,54
